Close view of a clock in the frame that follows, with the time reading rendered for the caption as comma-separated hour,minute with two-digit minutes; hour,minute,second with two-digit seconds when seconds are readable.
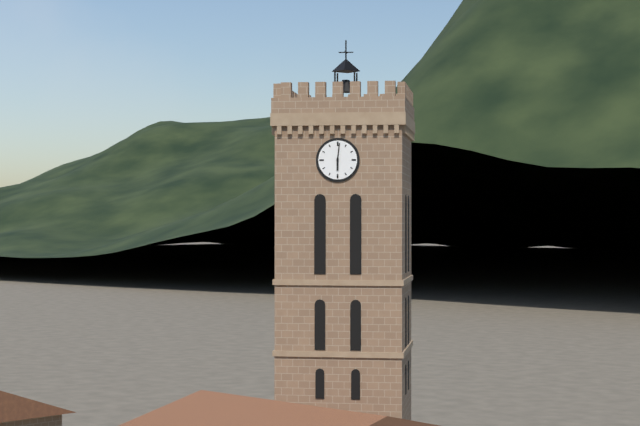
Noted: 6,01
